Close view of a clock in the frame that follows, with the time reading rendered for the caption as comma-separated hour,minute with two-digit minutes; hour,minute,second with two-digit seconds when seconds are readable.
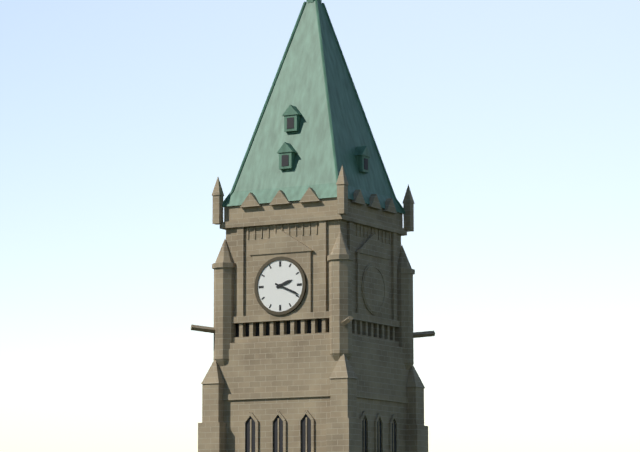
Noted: 2,19
